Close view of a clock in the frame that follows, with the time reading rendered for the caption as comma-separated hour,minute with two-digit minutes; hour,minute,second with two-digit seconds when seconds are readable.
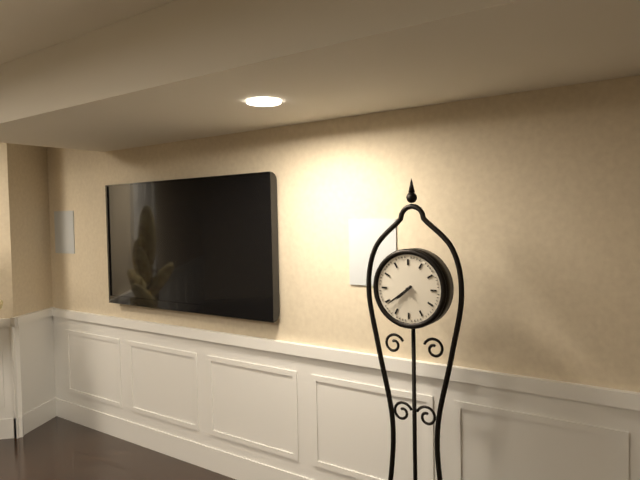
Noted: 7,39
